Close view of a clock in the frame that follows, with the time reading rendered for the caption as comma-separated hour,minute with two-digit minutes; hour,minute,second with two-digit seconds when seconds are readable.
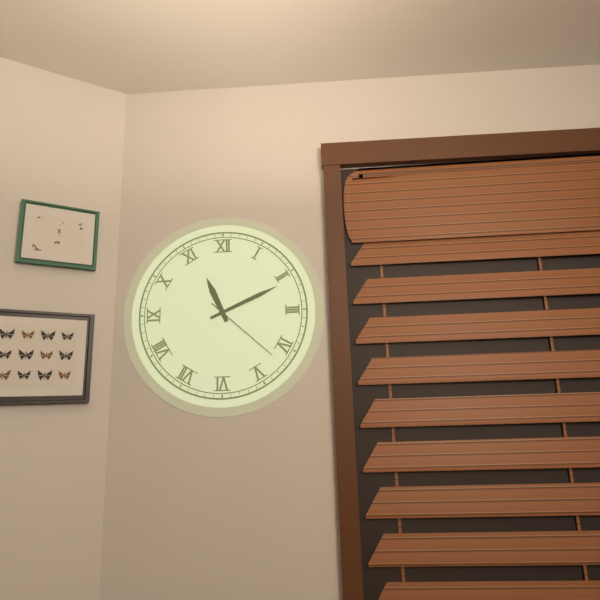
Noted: 11,11,22
